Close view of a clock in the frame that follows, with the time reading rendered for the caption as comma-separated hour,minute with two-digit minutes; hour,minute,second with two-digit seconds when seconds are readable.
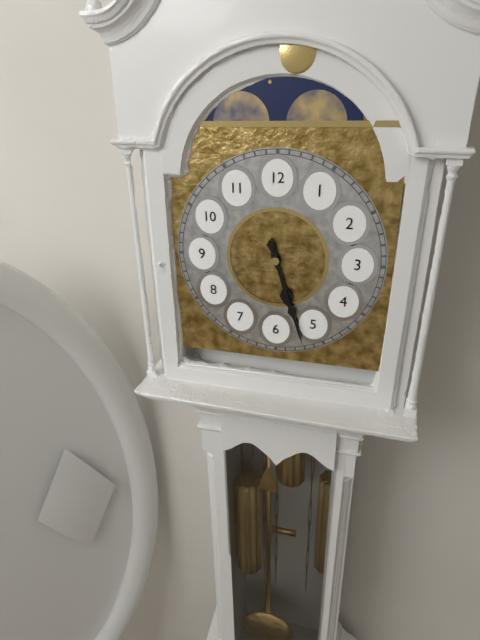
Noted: 5,27
